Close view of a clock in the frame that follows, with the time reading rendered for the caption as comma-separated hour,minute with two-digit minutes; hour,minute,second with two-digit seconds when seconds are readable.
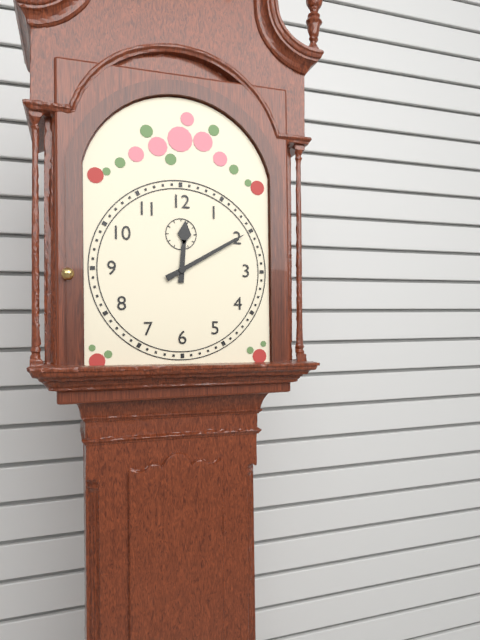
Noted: 12,10
